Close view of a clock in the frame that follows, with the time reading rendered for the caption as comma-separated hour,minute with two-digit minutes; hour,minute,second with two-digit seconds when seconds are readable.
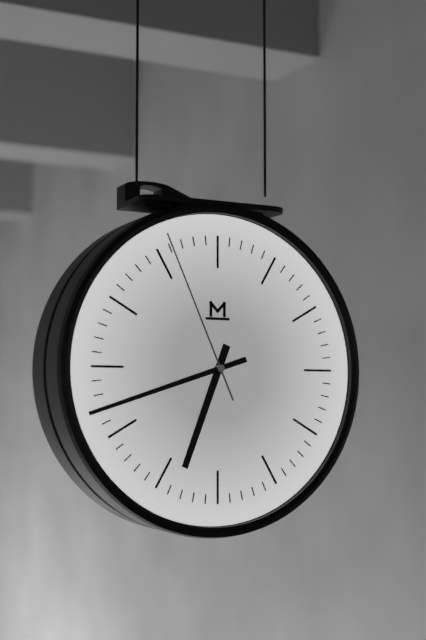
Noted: 6,42,56
